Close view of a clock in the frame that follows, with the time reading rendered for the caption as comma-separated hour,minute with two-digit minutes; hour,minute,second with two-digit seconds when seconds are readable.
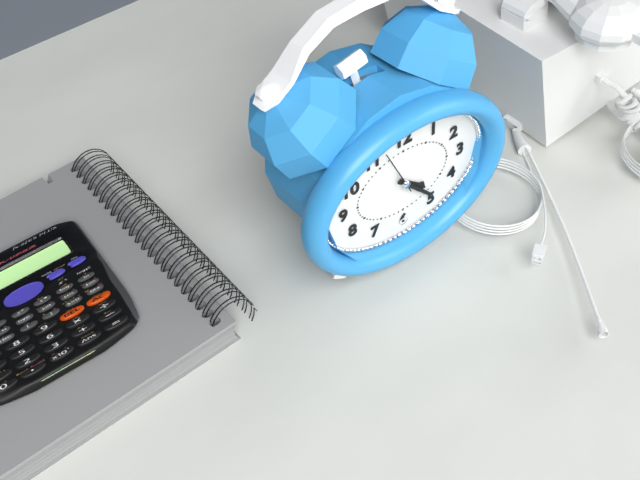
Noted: 4,23
